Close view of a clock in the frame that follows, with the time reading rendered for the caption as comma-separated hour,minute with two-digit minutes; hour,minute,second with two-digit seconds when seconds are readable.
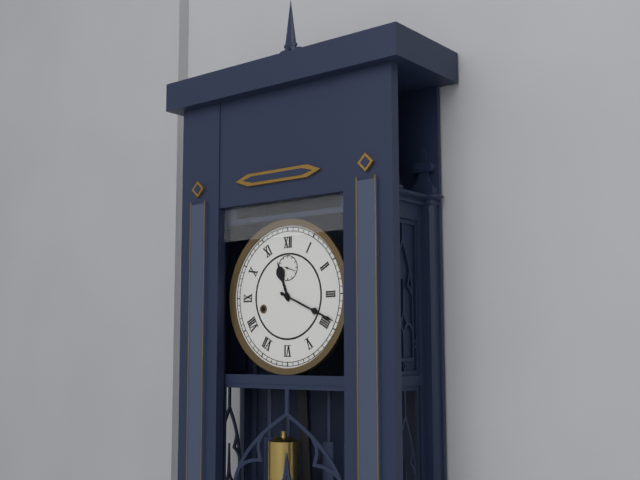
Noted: 11,19
